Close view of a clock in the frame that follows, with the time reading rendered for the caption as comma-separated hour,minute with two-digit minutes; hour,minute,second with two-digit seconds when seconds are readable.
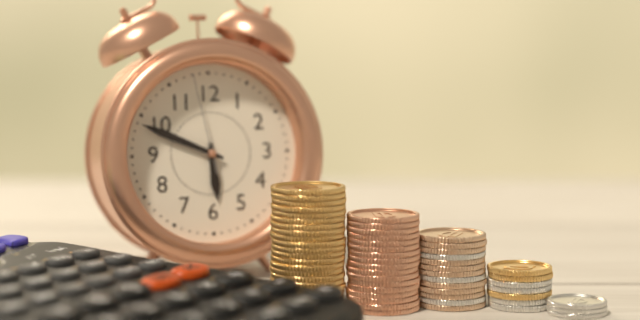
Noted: 5,49,58
